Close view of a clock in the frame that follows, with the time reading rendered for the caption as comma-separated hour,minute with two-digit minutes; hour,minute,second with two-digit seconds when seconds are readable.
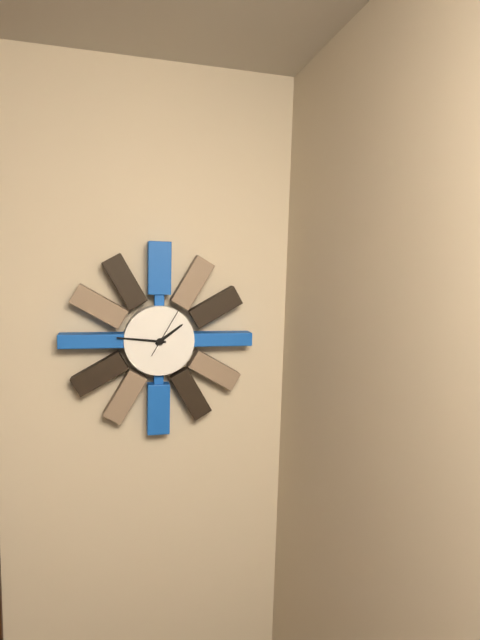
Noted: 1,46
